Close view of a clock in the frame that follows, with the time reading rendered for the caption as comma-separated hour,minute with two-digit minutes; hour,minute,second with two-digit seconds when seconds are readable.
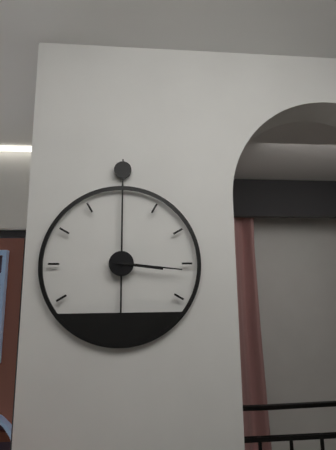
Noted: 3,16
